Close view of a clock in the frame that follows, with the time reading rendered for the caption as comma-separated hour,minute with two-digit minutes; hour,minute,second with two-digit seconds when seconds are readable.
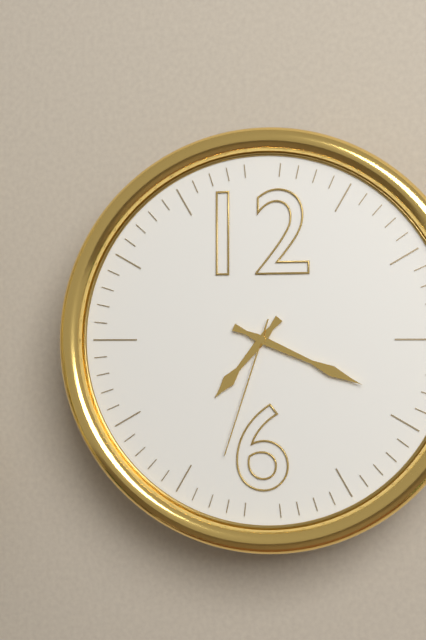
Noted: 7,19,33
